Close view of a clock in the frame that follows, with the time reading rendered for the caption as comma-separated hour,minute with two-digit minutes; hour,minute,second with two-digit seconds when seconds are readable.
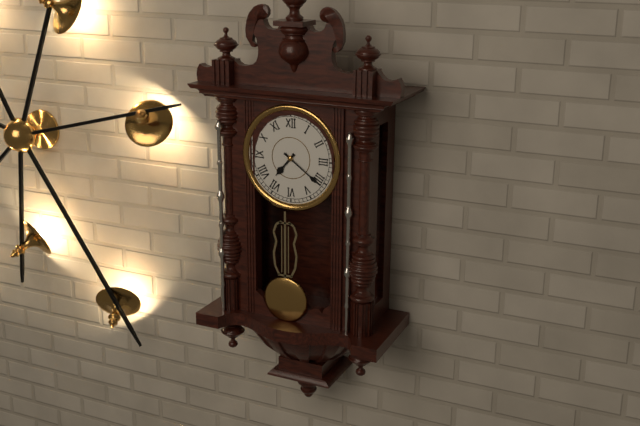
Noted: 7,21
